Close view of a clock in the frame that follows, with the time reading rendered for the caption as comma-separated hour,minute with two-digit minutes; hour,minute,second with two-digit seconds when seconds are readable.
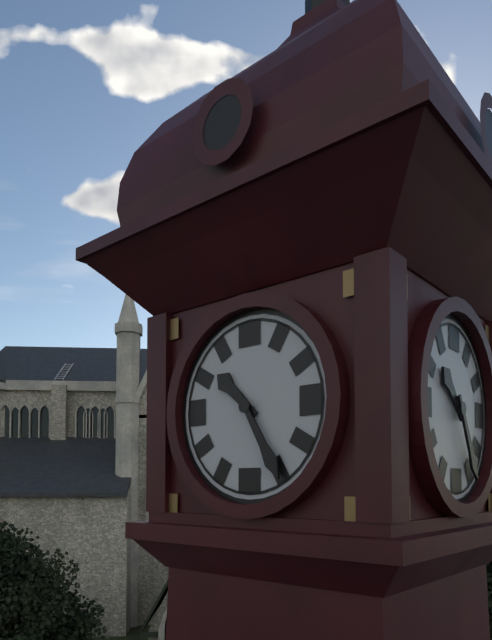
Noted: 10,25
